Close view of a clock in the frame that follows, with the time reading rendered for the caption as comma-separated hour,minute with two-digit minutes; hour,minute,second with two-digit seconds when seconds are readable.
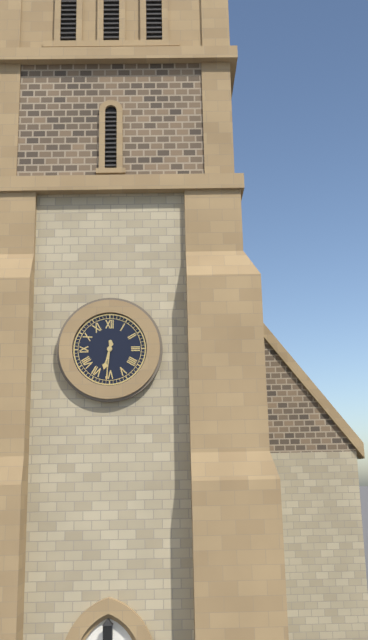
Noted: 6,31
